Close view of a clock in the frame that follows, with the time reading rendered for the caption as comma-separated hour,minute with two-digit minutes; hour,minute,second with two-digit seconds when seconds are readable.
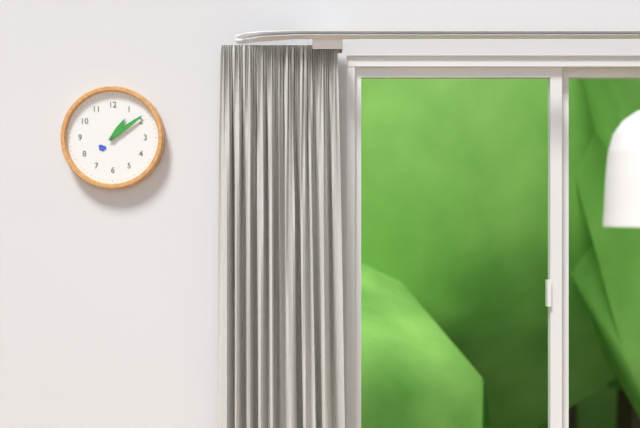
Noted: 1,09
